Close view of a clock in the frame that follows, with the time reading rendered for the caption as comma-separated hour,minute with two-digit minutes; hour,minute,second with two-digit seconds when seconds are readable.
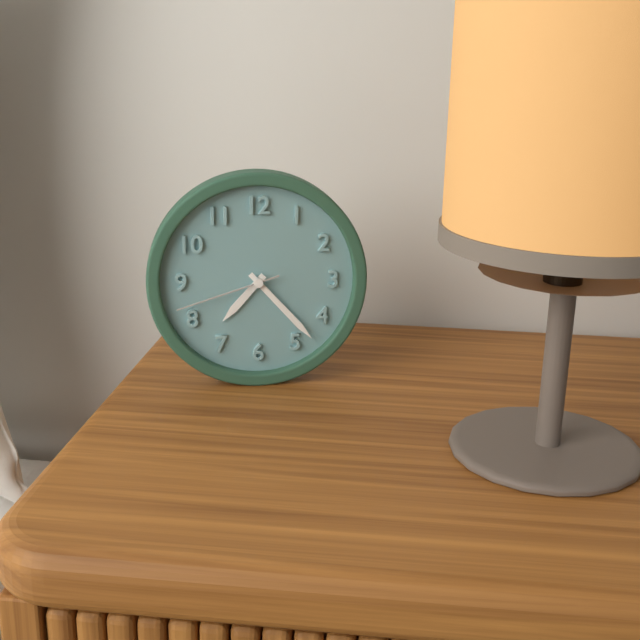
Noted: 7,23,42
